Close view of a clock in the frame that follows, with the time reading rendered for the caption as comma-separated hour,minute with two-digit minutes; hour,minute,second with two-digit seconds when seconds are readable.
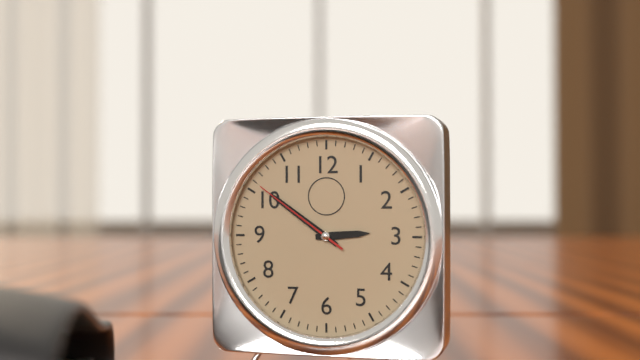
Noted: 2,51,51
